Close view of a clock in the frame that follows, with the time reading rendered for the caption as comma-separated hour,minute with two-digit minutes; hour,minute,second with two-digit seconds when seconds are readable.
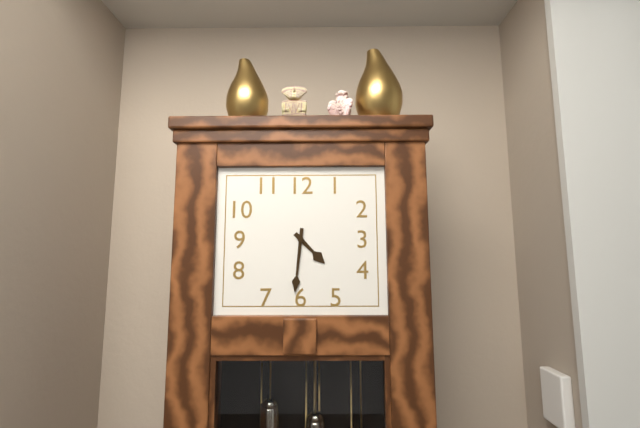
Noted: 4,31
